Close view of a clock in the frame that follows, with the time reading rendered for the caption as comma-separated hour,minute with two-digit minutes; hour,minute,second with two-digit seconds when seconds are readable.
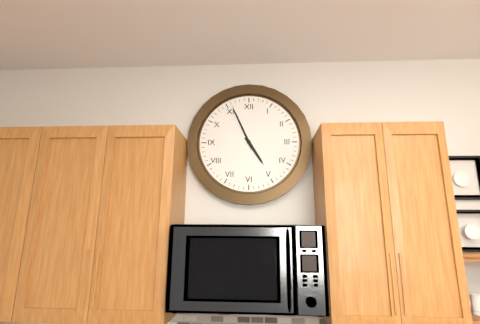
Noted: 4,56
